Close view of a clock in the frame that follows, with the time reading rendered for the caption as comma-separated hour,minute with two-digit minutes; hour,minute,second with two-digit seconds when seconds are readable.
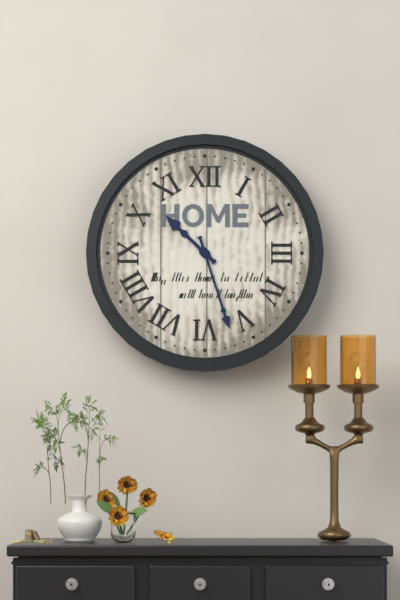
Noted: 10,27
